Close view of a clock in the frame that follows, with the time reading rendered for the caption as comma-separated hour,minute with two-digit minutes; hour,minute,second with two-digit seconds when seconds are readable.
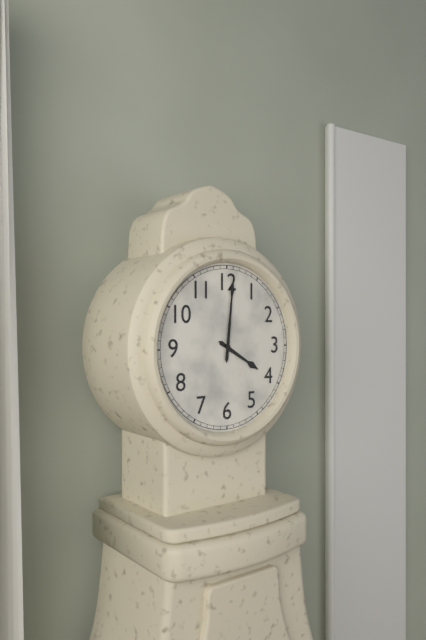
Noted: 4,01
